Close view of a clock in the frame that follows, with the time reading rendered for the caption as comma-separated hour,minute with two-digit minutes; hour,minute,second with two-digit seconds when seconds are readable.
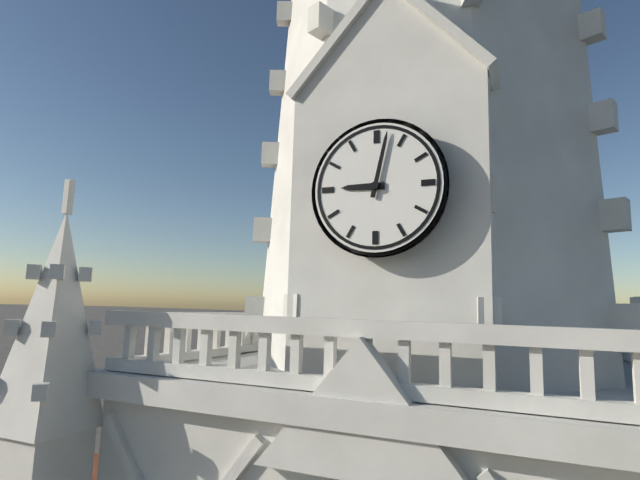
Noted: 9,02
